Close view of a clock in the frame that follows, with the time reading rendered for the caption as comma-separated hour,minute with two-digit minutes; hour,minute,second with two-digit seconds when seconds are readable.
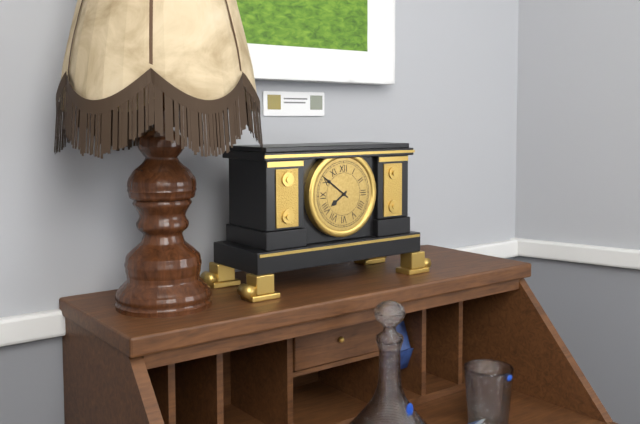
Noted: 7,51
